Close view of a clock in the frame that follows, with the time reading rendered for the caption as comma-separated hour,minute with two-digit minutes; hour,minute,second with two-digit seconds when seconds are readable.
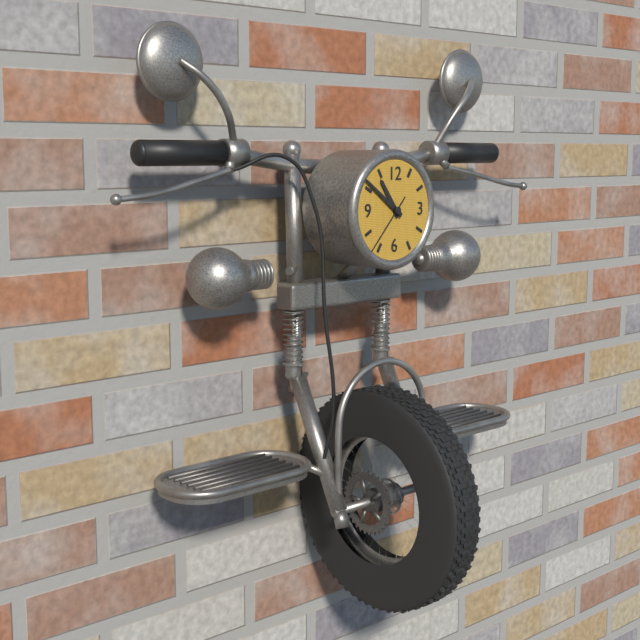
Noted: 10,51,37
